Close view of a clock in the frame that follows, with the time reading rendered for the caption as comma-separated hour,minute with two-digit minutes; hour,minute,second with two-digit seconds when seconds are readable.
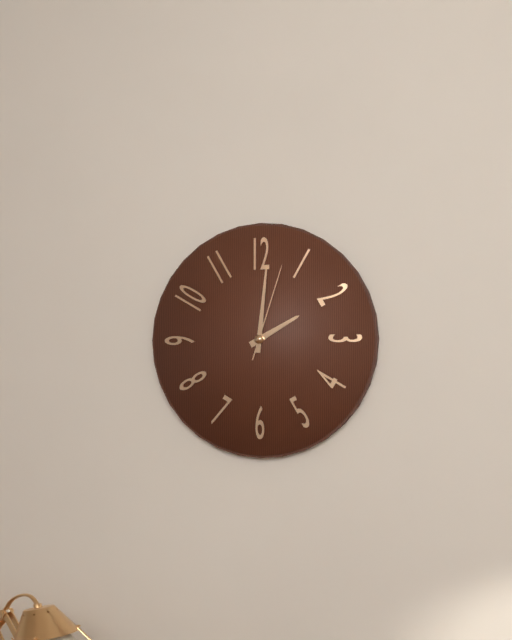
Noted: 2,01,03
